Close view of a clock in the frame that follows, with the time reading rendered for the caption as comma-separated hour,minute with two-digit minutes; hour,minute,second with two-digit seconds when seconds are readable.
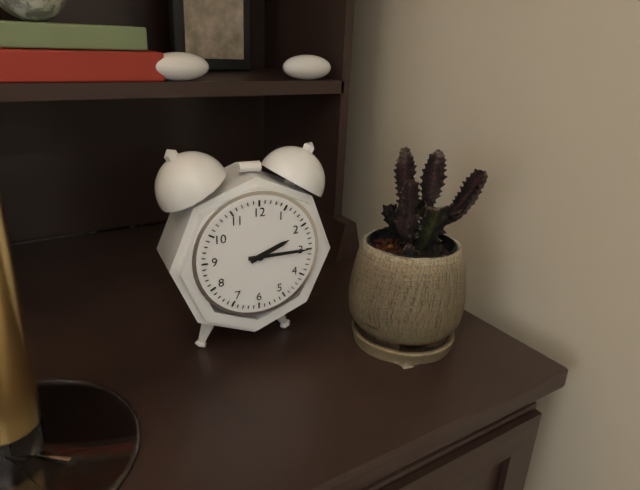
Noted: 2,15
